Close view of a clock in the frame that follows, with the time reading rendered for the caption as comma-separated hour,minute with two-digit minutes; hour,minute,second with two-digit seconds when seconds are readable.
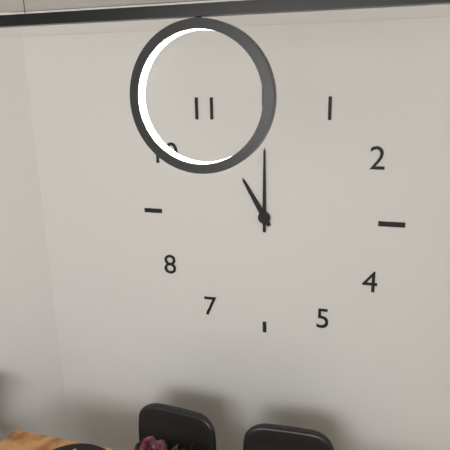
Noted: 11,00
